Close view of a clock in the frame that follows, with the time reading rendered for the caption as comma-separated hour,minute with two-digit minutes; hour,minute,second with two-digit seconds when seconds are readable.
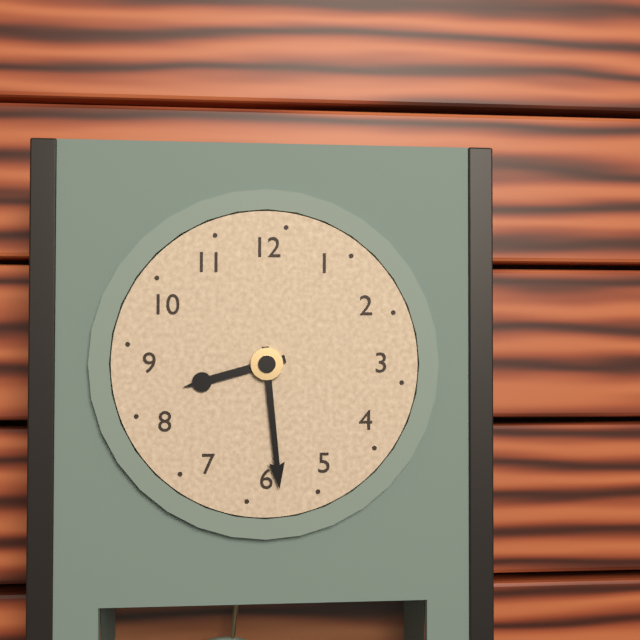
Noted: 8,29
